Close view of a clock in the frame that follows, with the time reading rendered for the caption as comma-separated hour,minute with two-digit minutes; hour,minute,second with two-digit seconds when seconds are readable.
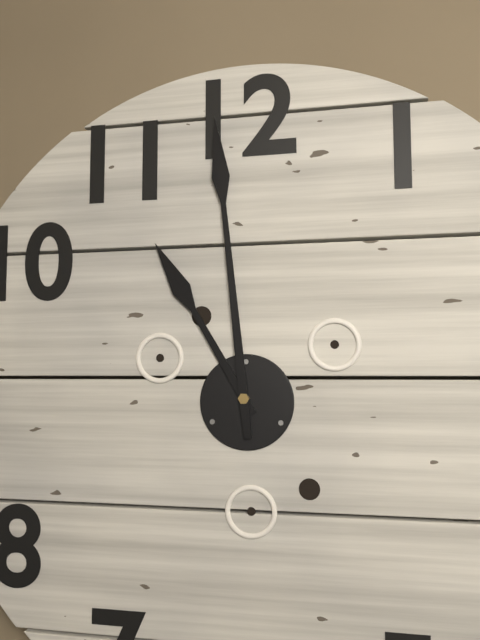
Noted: 10,59
